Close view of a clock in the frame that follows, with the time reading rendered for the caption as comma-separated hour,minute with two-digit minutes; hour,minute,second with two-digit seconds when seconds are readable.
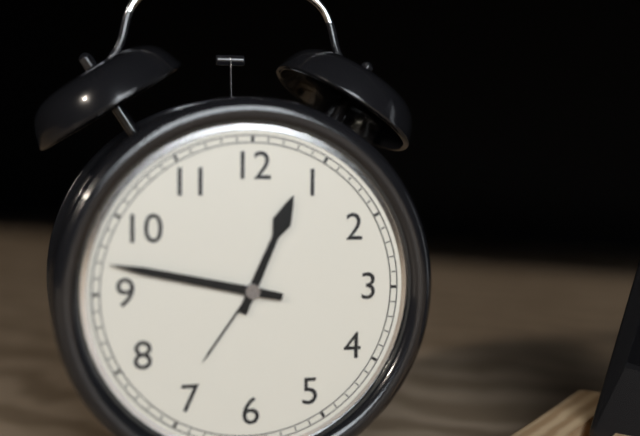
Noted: 12,47
